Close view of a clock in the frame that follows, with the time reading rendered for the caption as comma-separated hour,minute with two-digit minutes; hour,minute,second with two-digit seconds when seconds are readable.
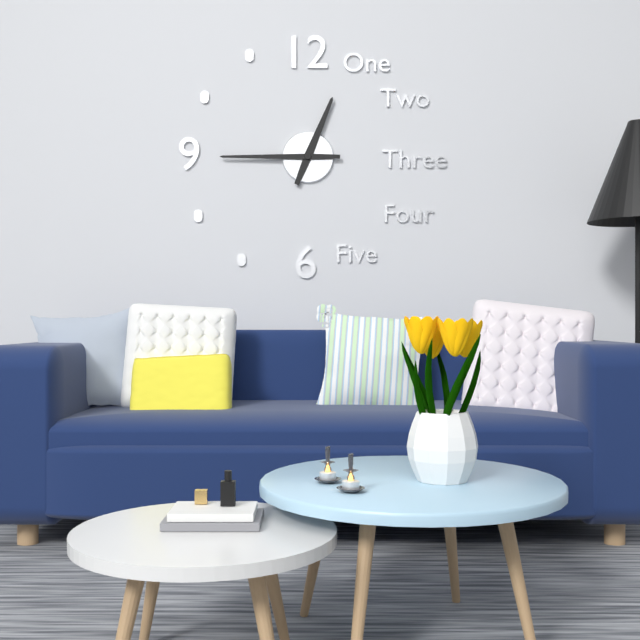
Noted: 12,45
